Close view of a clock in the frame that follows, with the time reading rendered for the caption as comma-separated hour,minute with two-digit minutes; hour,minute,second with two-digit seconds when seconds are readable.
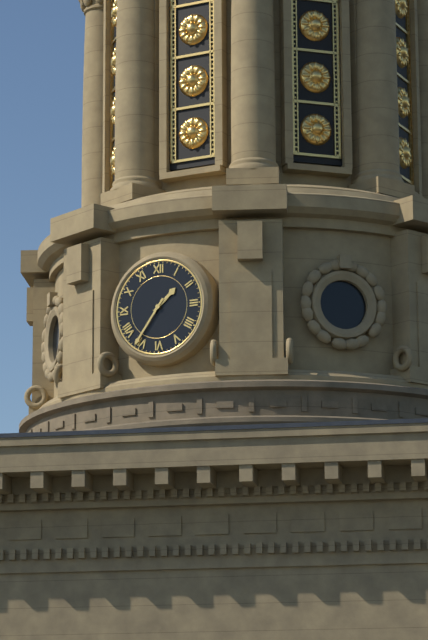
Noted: 1,36
